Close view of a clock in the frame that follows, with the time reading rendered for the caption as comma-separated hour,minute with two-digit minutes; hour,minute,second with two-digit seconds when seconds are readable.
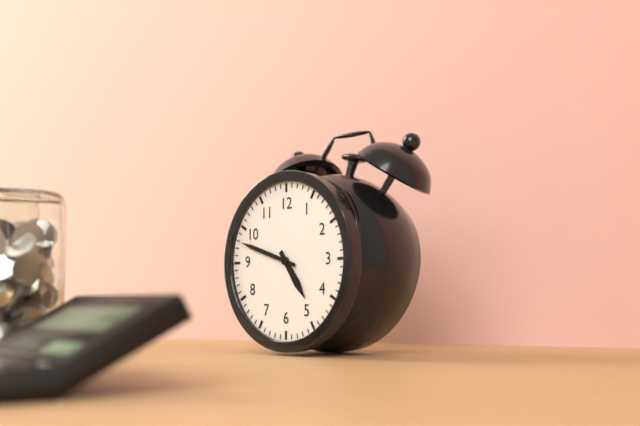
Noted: 4,48
